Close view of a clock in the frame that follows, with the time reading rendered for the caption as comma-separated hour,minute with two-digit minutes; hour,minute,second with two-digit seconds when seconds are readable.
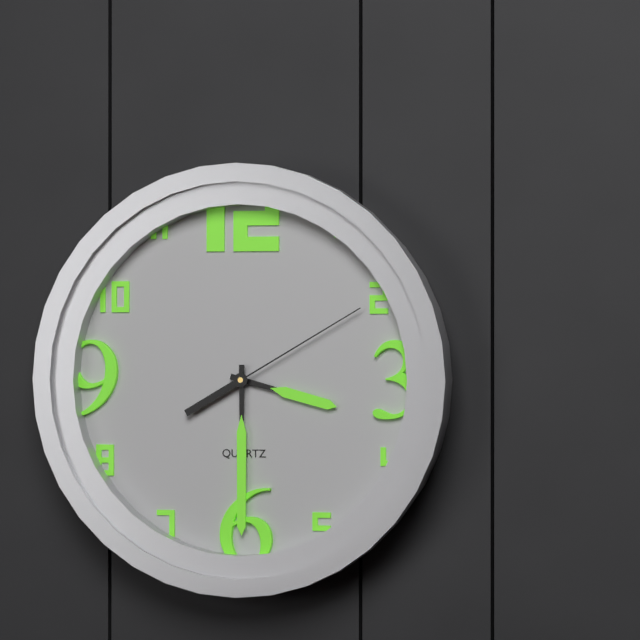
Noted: 3,30,10
